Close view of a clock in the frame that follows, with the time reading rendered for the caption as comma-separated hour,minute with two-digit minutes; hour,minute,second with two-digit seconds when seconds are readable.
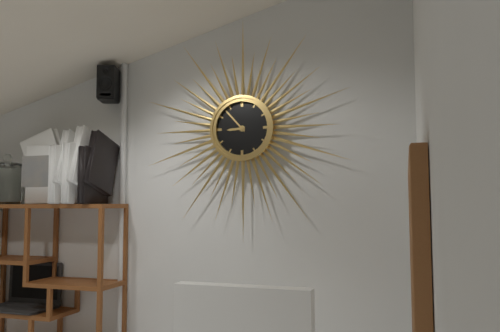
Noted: 8,53
